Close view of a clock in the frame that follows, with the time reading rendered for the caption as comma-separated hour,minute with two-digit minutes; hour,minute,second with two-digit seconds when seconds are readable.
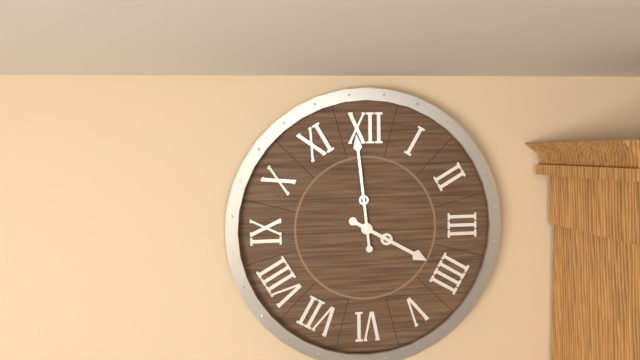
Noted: 3,59
